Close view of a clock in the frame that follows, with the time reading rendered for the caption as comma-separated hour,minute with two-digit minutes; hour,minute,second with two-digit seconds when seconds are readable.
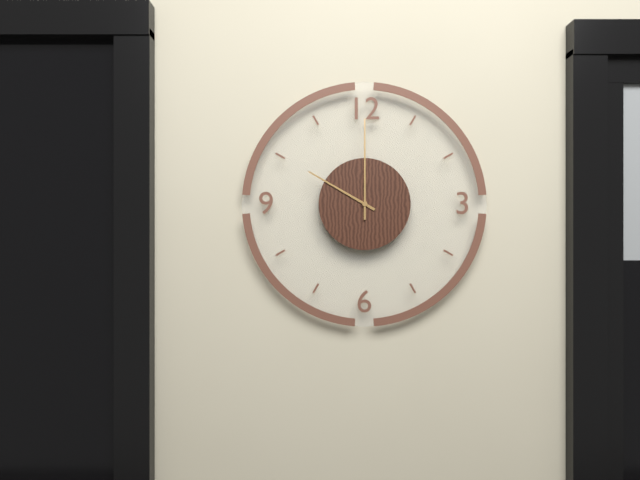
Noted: 10,00
